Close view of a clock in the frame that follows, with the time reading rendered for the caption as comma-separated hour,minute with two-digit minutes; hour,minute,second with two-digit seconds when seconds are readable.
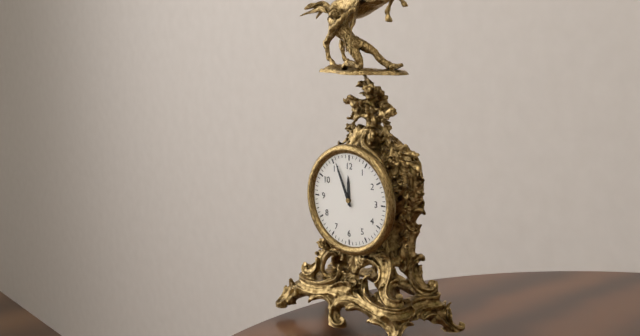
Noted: 11,56
